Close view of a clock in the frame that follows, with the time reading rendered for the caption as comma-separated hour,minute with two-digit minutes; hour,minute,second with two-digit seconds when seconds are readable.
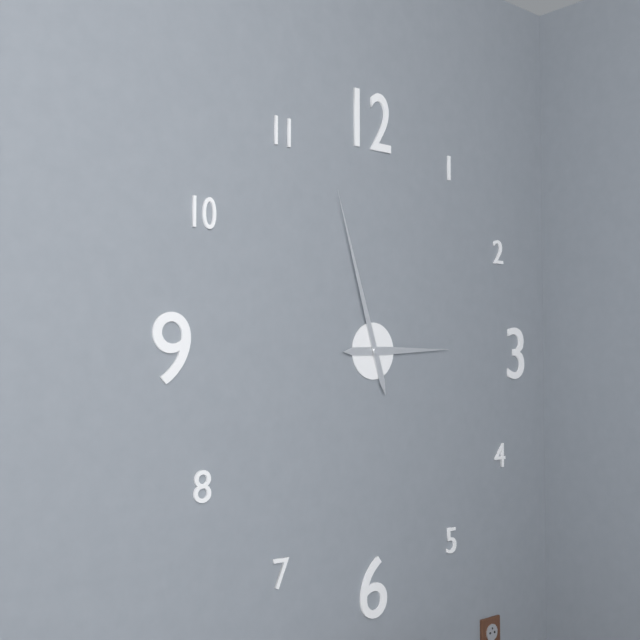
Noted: 2,57
